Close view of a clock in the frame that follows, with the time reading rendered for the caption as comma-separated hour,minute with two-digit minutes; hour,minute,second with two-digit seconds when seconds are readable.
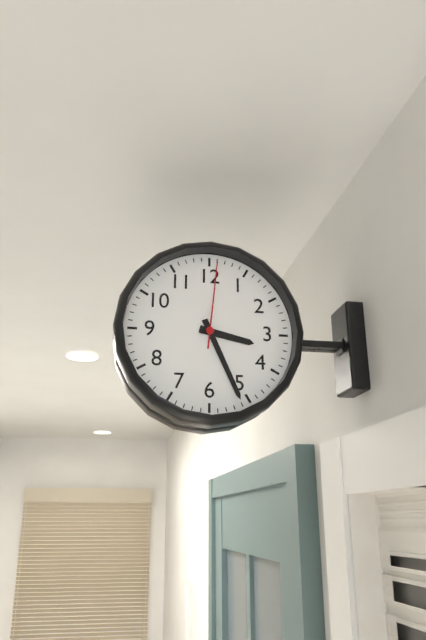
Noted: 3,26,01
